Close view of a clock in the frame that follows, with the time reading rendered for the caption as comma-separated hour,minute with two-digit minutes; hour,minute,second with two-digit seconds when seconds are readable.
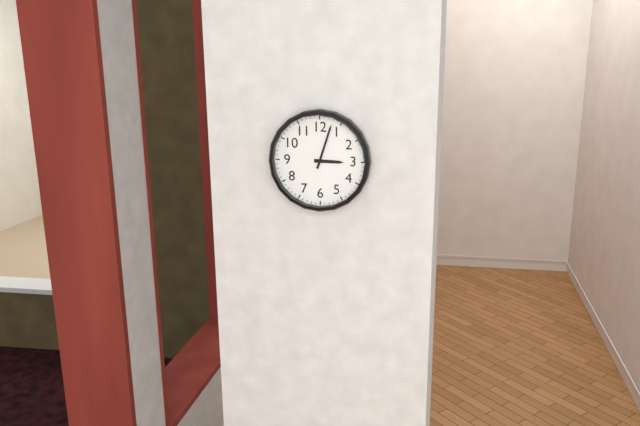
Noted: 3,03
